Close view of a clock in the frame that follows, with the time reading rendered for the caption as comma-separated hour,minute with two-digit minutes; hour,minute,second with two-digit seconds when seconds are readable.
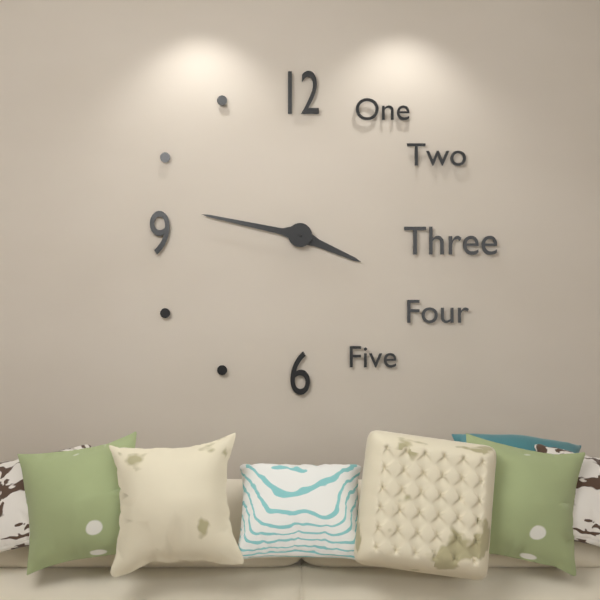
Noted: 3,47
